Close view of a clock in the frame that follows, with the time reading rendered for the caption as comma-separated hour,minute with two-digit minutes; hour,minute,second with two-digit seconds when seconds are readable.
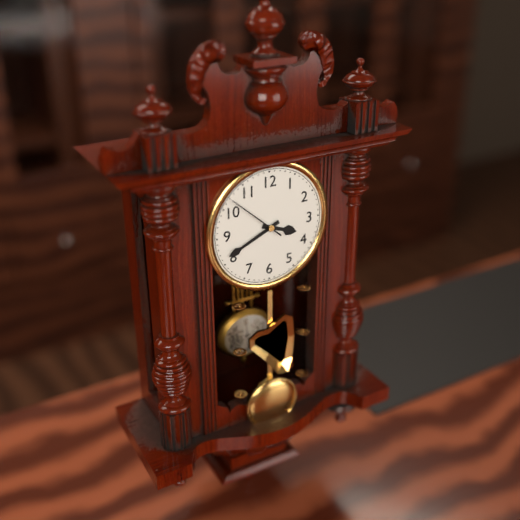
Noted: 3,41,52
